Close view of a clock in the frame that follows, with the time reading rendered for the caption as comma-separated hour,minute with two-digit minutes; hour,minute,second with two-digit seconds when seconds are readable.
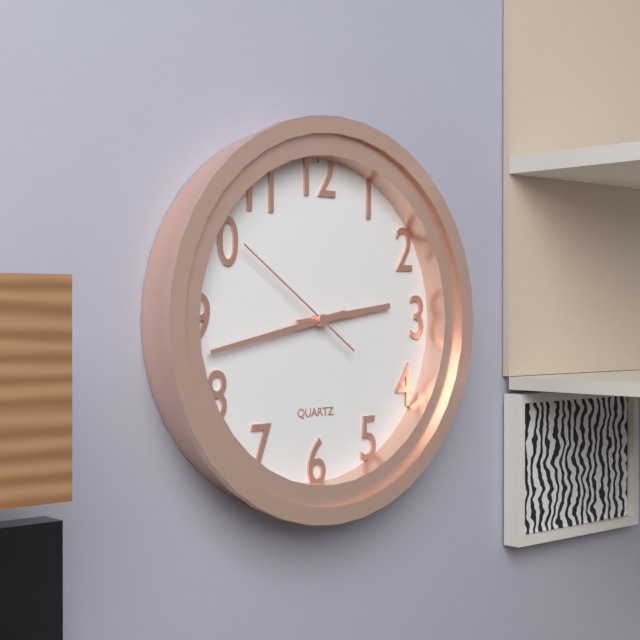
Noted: 2,43,51
